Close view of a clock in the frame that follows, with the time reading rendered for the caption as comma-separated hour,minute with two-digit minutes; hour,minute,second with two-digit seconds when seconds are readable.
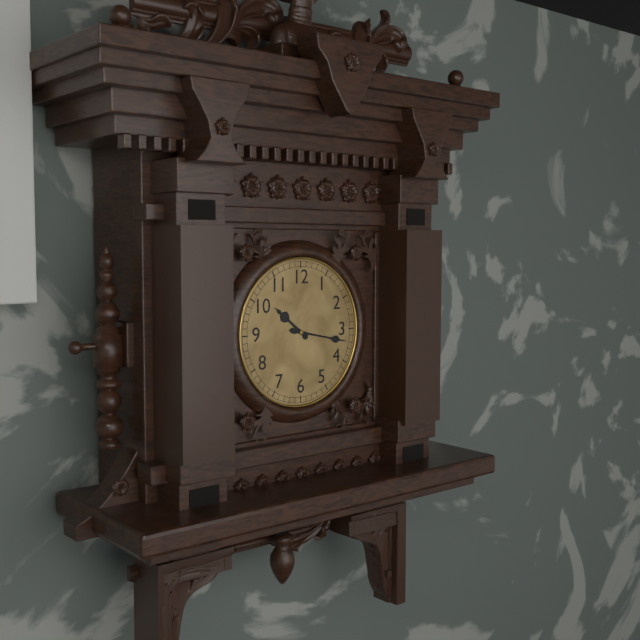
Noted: 10,17
